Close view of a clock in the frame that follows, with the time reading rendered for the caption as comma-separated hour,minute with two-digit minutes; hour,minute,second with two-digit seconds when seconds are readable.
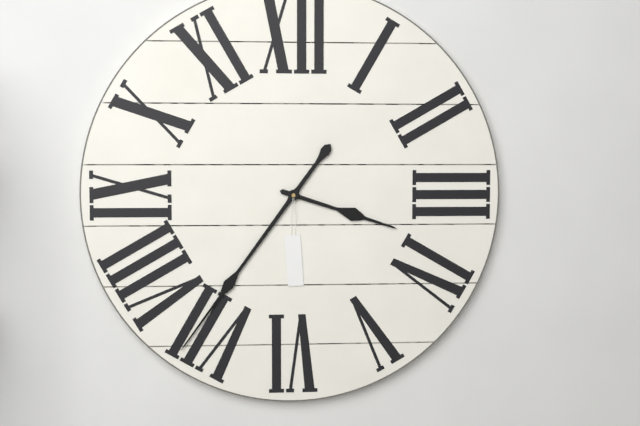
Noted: 3,36
